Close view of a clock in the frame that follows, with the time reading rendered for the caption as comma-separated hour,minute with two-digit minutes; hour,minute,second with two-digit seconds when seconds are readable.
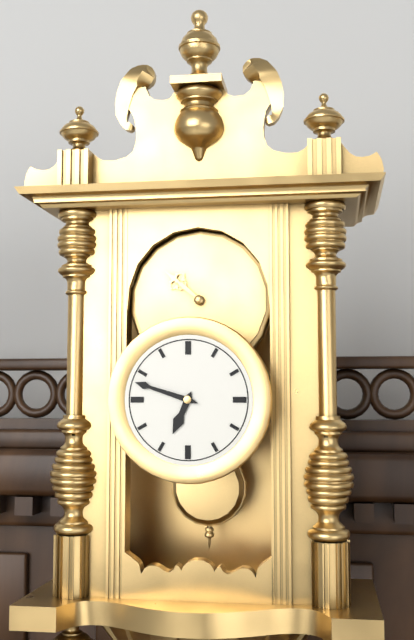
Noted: 6,48
